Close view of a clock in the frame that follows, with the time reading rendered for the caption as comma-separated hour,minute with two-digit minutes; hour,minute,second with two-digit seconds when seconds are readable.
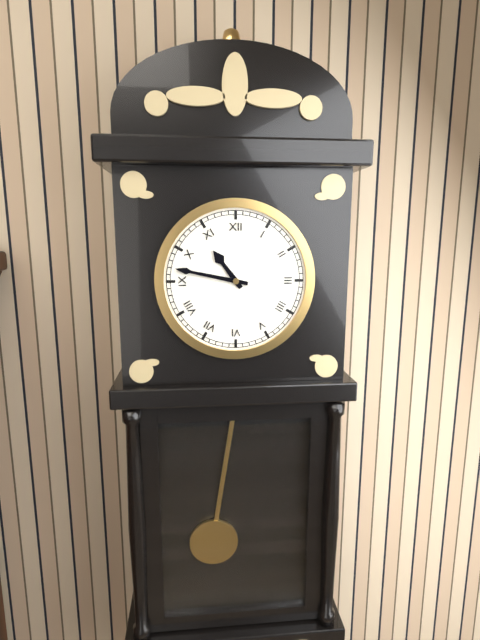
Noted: 10,47
